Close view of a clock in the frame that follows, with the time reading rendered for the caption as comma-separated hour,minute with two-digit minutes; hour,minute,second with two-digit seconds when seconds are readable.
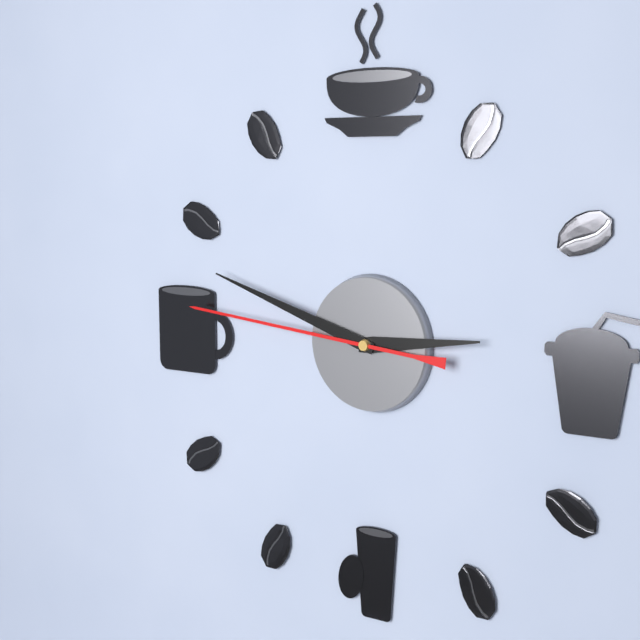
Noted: 2,48,46
